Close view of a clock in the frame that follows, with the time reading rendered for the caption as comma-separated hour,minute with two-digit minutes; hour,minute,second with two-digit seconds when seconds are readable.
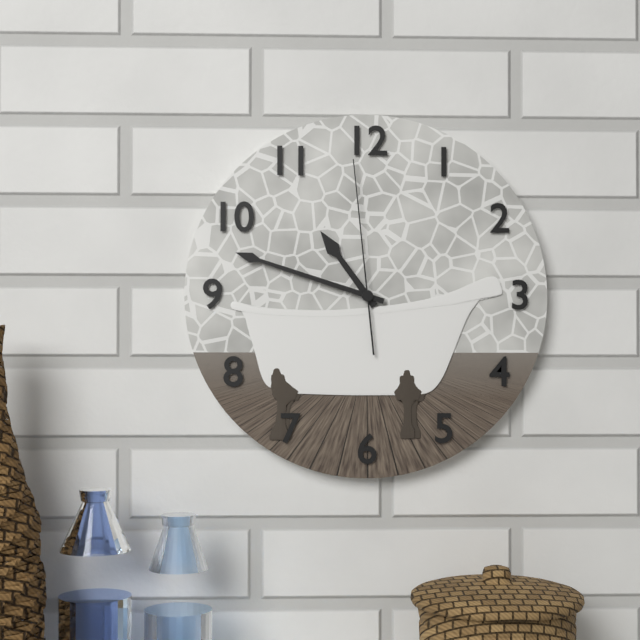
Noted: 10,48,59
